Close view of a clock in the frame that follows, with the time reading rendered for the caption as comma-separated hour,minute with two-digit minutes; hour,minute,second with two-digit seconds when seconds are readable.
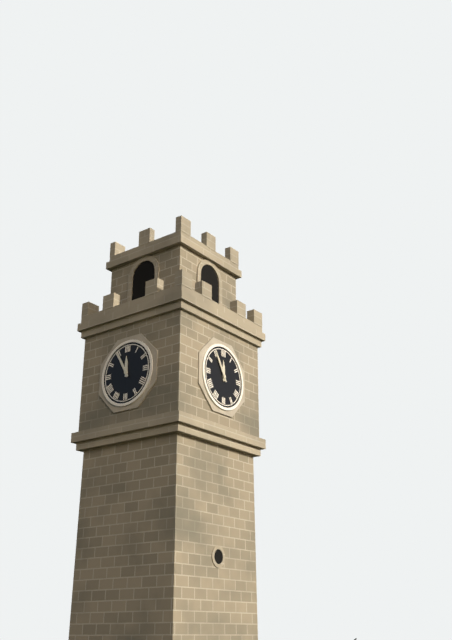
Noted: 11,55
